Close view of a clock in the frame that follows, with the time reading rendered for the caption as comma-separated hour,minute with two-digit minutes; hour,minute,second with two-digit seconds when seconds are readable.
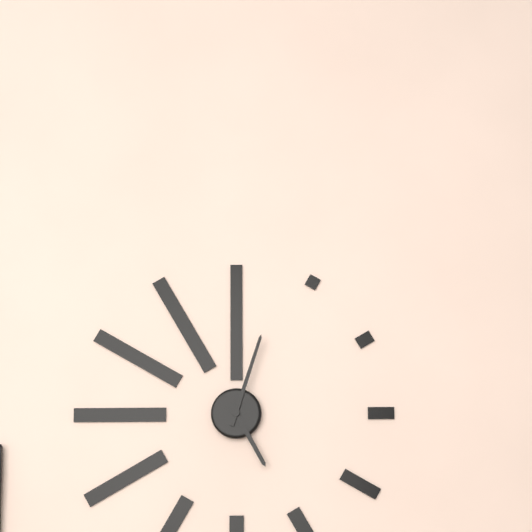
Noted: 5,03
